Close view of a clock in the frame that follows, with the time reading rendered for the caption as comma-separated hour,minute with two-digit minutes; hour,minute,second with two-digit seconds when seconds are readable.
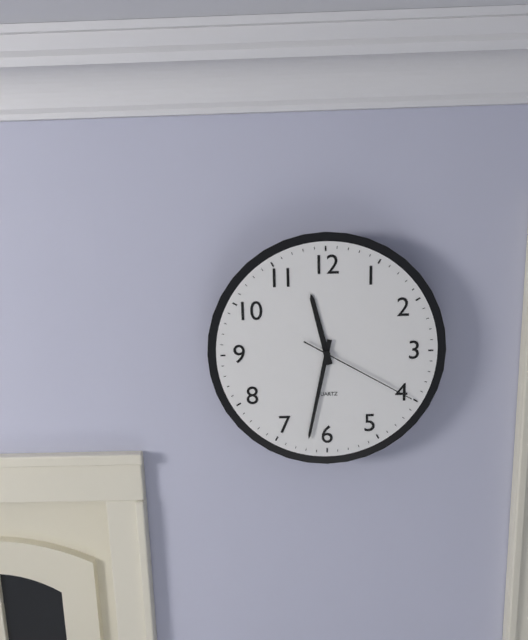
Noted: 11,32,20
